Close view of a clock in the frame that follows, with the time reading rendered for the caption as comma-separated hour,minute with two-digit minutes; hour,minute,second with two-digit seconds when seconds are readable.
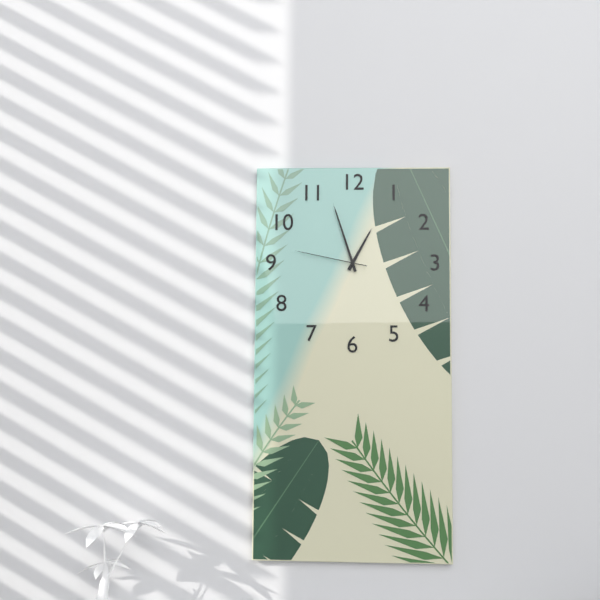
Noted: 12,57,47
